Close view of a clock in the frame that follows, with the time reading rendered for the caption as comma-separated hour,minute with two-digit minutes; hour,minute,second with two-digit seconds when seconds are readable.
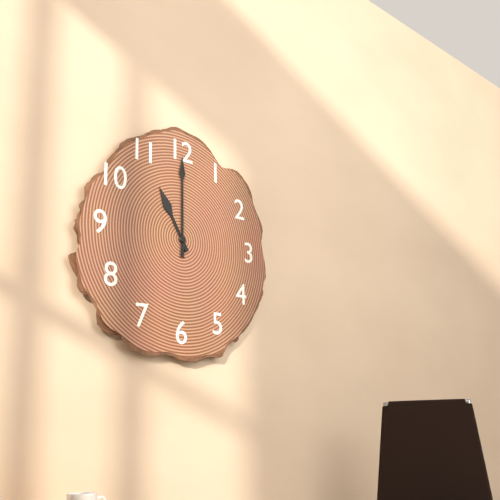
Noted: 11,00
